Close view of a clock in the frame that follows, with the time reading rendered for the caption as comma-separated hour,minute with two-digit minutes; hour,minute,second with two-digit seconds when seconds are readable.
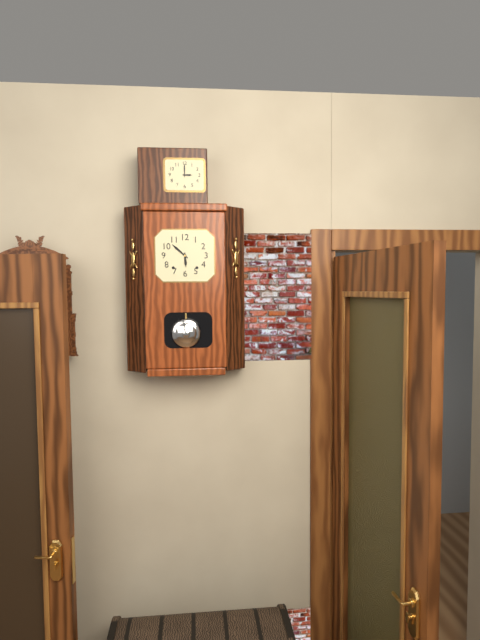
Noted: 5,52
